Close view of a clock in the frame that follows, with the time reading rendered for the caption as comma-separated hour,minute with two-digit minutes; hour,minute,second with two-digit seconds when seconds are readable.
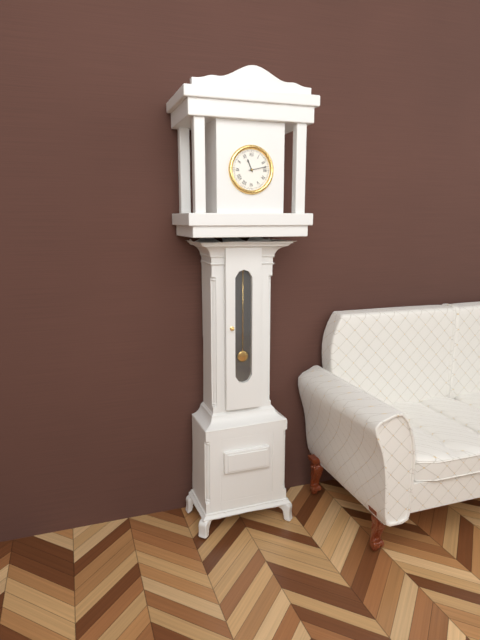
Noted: 11,13
